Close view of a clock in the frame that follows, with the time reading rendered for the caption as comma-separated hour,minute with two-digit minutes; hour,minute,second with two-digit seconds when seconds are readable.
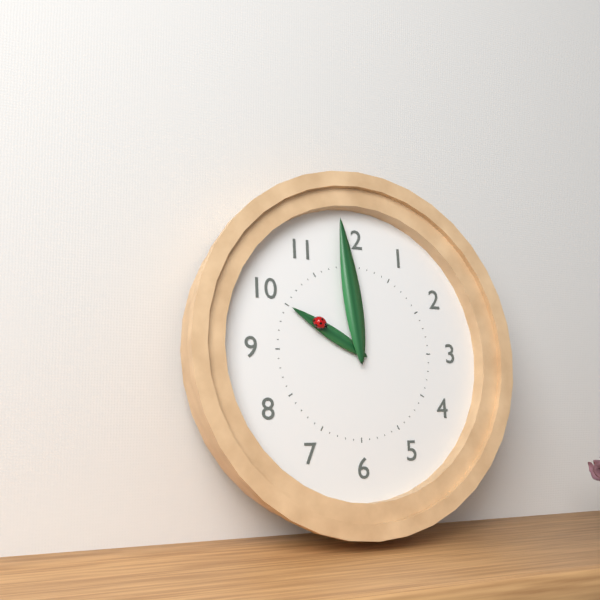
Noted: 9,59
